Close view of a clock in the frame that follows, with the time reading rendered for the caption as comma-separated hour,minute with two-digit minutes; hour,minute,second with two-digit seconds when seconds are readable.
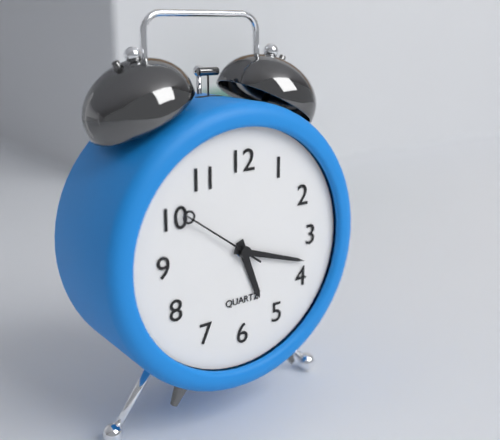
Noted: 5,18,51
